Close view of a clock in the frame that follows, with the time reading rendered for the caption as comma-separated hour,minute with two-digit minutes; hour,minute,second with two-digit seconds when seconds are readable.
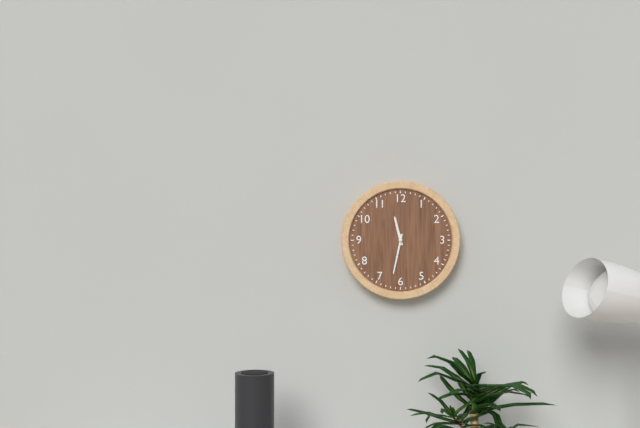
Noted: 11,32
